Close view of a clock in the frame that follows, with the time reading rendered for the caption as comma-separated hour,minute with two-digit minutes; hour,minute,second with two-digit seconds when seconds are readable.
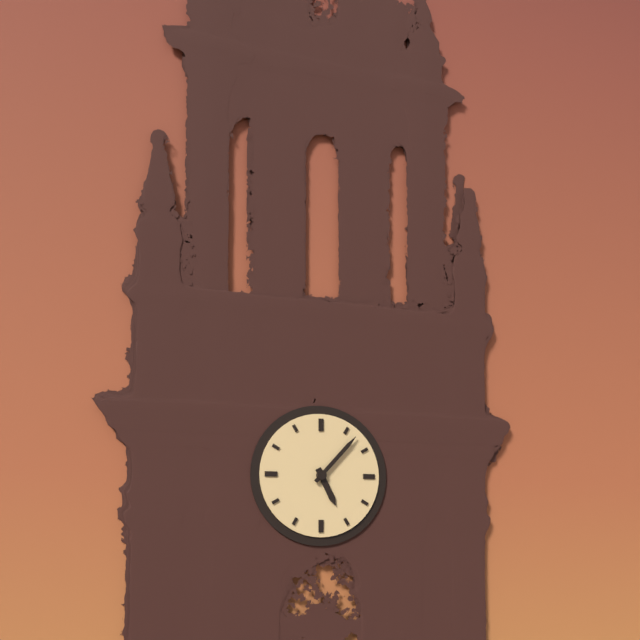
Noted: 5,07
